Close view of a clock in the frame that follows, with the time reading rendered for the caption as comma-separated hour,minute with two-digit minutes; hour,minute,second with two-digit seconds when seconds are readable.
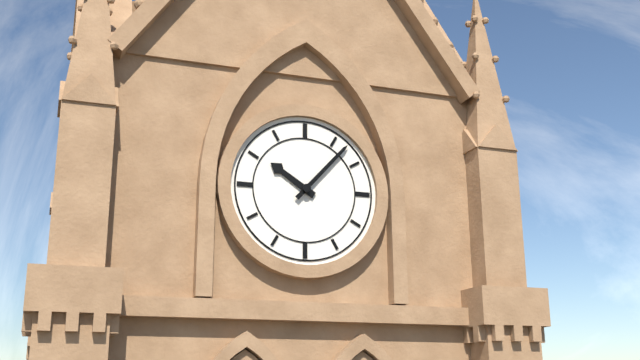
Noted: 10,07
